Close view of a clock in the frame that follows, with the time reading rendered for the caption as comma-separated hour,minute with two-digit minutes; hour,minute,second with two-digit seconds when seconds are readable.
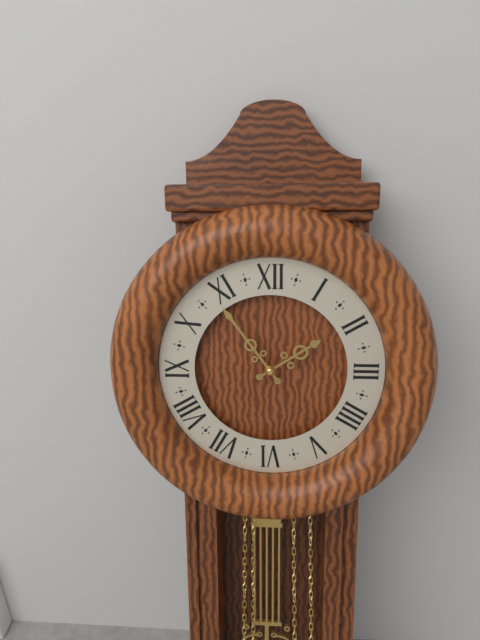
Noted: 1,54
